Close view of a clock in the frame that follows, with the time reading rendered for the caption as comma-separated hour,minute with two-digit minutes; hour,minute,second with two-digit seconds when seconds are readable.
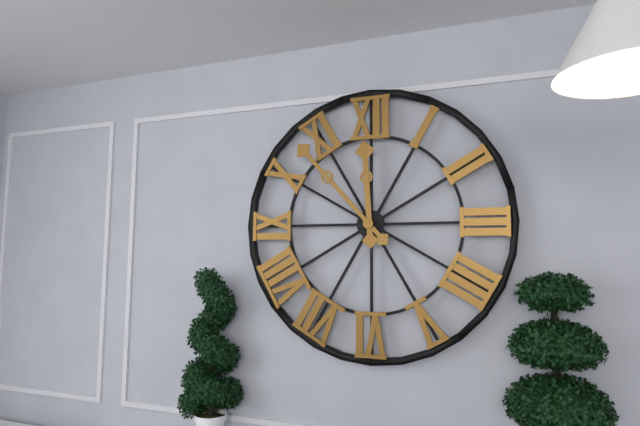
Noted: 11,53
